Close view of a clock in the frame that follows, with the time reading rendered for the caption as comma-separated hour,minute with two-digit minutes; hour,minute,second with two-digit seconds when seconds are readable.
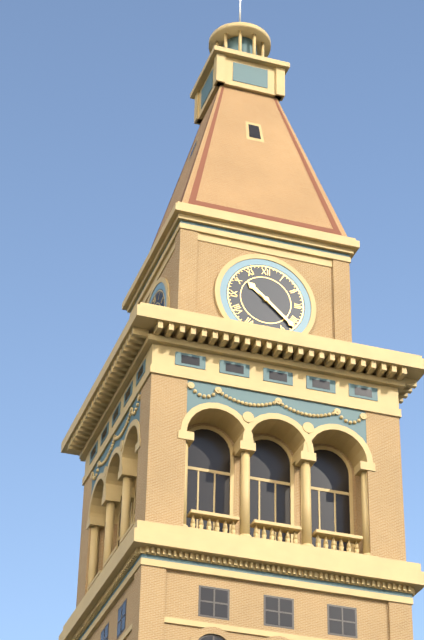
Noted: 10,22
